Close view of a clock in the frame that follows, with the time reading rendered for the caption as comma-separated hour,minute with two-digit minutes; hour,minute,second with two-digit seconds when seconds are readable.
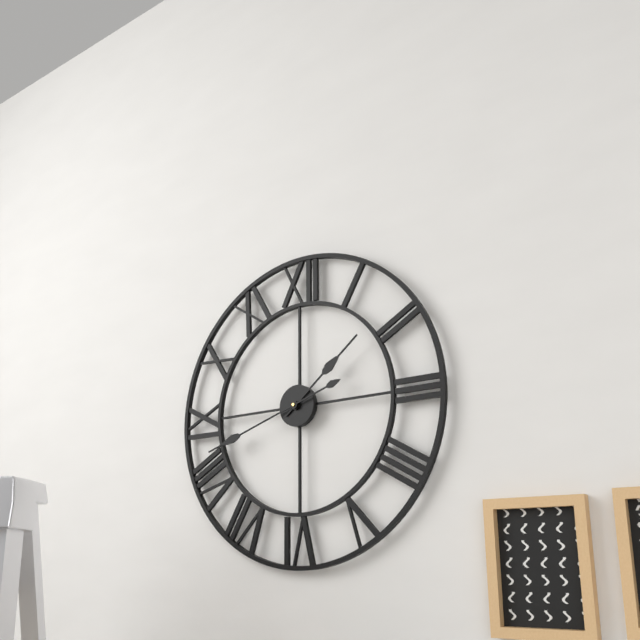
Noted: 1,42
